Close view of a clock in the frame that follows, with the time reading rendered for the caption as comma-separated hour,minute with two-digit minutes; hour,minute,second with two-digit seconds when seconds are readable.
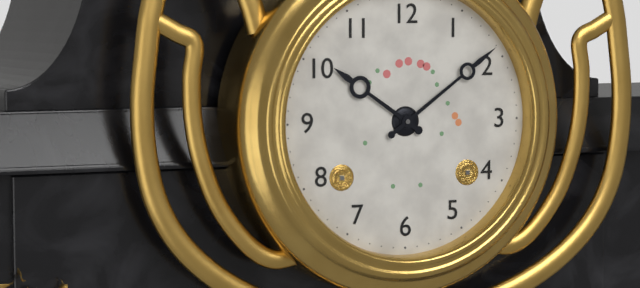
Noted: 10,09
